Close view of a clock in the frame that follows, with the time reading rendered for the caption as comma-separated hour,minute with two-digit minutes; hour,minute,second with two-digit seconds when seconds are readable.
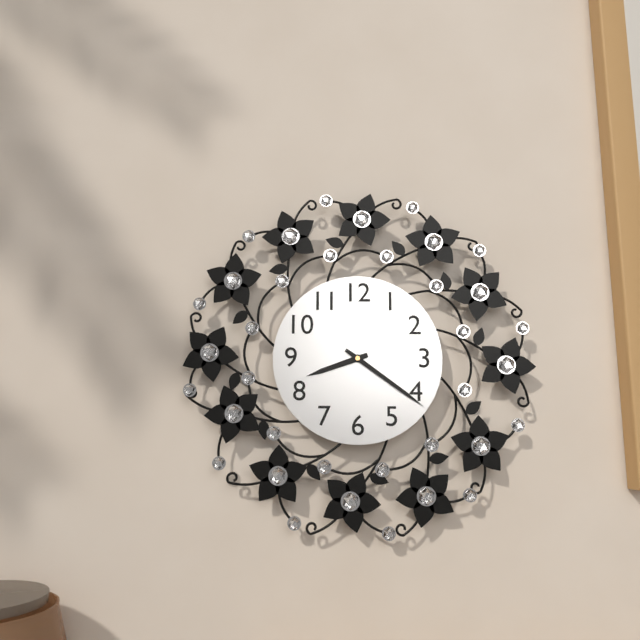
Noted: 8,21
